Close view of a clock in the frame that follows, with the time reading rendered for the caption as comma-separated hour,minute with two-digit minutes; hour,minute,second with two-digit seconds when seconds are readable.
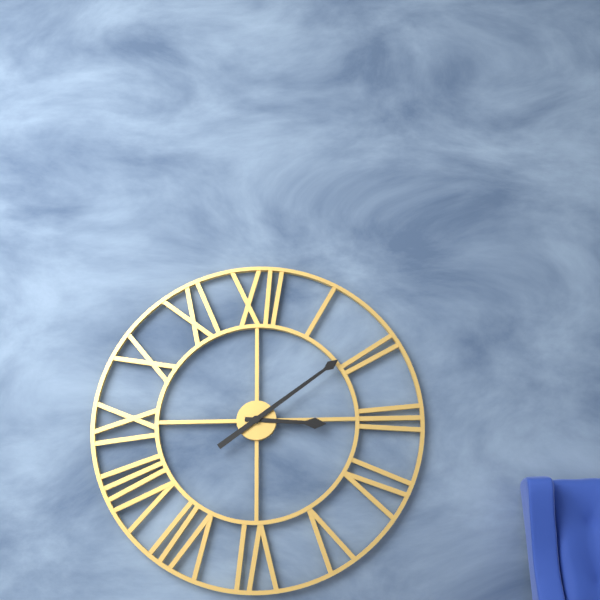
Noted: 3,09
